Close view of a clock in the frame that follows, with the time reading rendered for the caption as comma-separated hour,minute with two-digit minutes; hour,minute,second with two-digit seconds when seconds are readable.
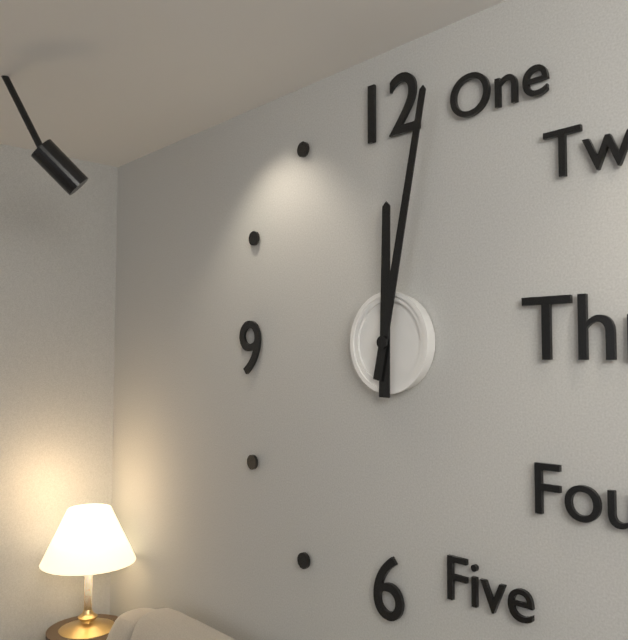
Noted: 12,02
